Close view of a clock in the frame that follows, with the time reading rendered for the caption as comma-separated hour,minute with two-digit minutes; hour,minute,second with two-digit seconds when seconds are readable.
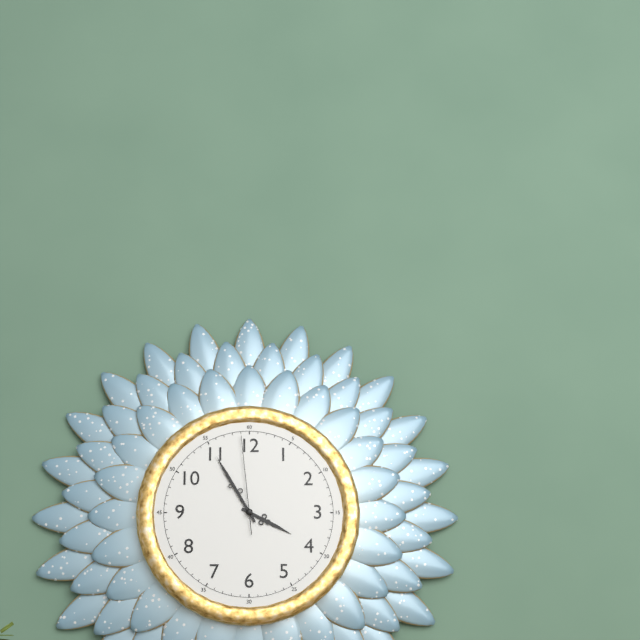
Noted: 3,55,59
